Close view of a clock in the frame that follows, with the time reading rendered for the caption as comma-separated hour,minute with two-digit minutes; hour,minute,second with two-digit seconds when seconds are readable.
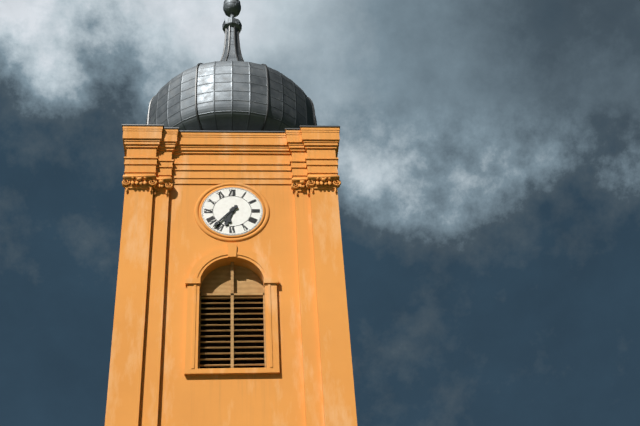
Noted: 6,37
